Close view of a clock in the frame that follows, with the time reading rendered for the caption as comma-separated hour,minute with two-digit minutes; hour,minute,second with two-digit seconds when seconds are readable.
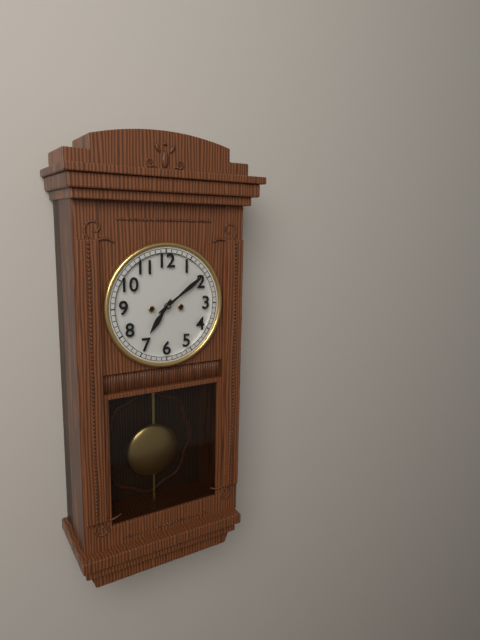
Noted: 7,09
